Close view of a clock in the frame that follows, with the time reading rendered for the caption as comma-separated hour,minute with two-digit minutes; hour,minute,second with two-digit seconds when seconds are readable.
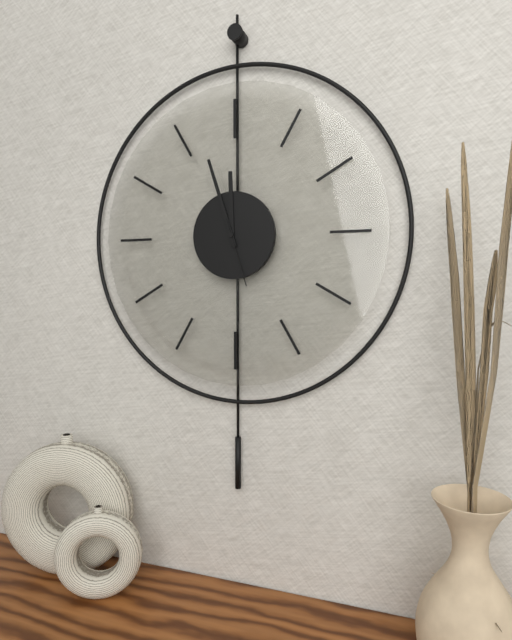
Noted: 11,57,27
